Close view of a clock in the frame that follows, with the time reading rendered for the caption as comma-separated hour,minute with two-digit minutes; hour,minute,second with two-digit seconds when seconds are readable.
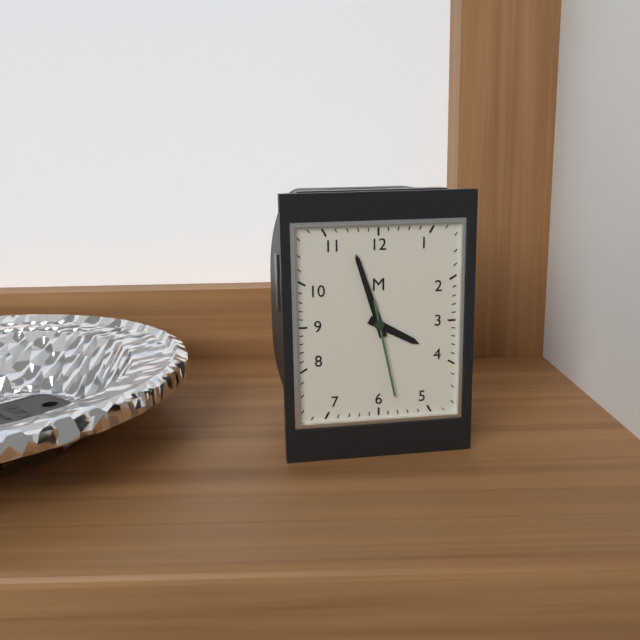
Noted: 3,57,28
